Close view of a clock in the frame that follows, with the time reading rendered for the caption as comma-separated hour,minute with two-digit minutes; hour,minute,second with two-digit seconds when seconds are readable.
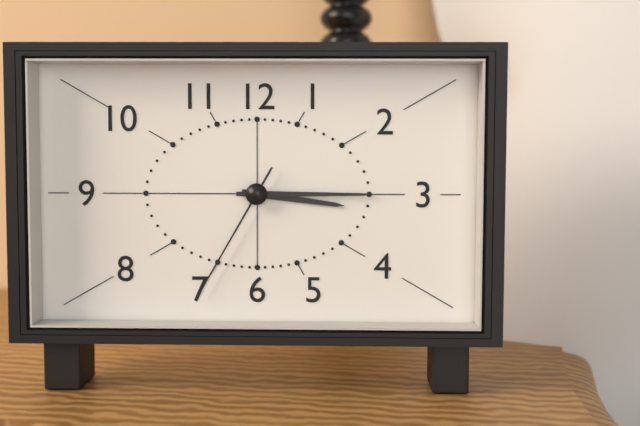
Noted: 3,15,35
